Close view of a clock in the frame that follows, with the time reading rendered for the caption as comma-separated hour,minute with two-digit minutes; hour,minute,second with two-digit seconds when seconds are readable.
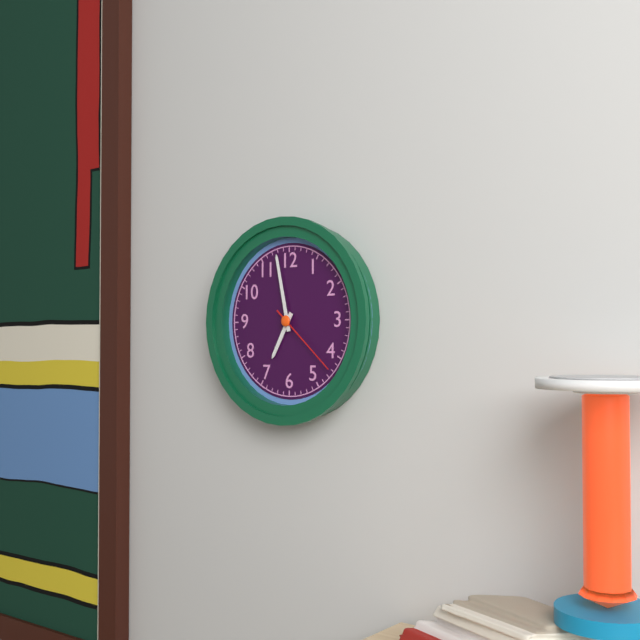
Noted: 6,58,22
